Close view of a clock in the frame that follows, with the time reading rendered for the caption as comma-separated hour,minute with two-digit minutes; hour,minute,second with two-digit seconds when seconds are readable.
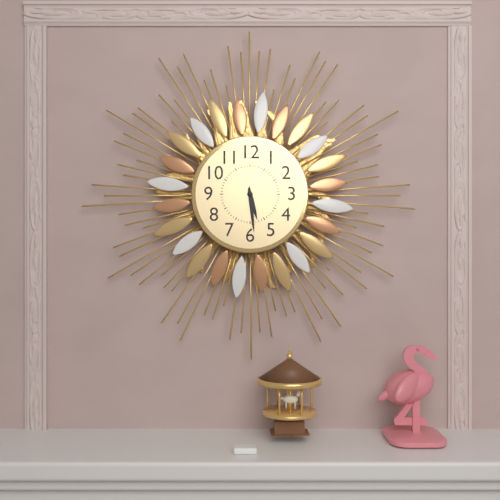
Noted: 5,29
